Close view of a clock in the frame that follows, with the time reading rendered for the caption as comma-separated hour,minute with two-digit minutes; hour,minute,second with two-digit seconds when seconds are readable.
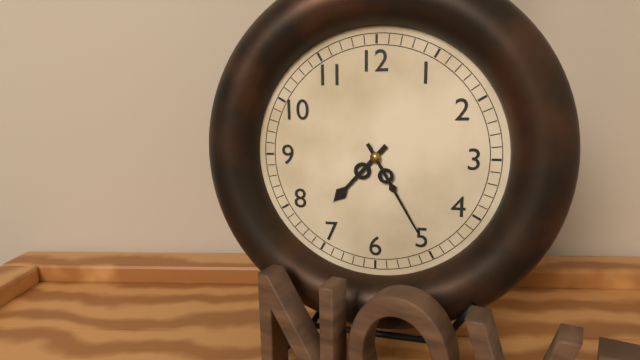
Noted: 7,25
